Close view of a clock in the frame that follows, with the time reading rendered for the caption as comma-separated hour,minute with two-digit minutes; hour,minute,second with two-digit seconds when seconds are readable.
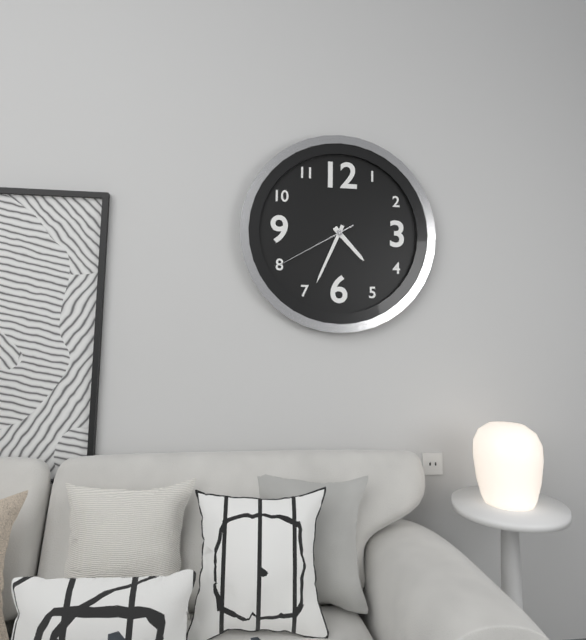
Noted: 4,34,40
